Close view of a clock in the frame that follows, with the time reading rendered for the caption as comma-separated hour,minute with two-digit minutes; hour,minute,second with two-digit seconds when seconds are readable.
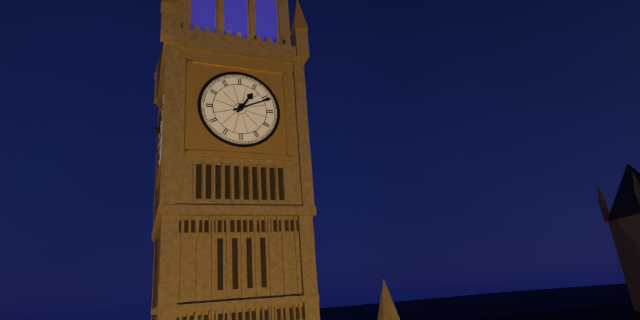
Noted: 1,11
